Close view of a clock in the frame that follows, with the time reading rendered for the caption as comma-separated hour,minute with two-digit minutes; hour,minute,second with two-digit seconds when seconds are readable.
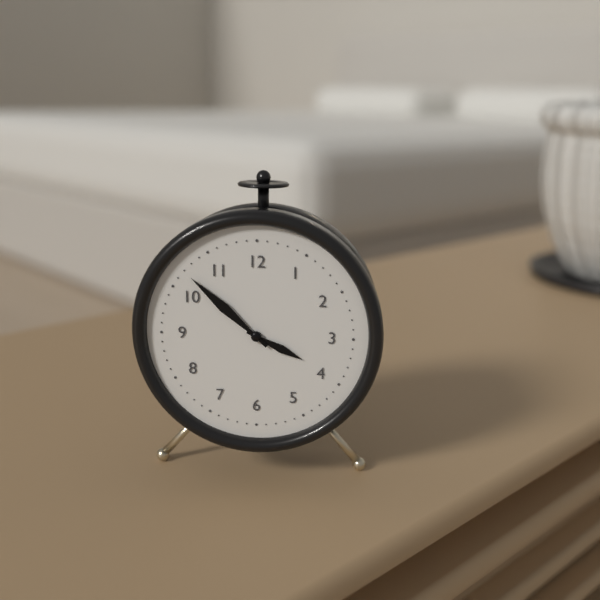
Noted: 3,52
